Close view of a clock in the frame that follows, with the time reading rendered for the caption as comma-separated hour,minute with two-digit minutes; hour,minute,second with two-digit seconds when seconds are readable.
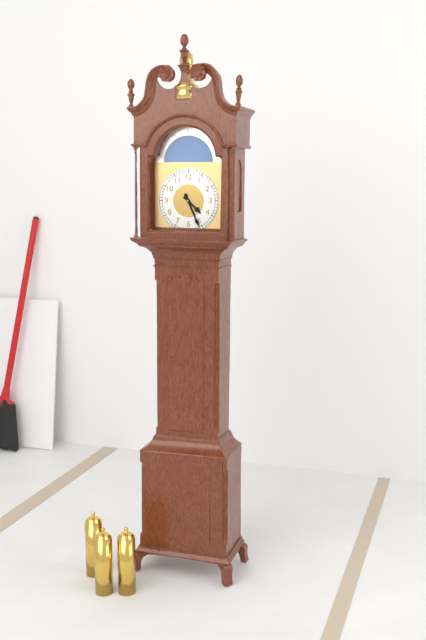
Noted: 4,26
